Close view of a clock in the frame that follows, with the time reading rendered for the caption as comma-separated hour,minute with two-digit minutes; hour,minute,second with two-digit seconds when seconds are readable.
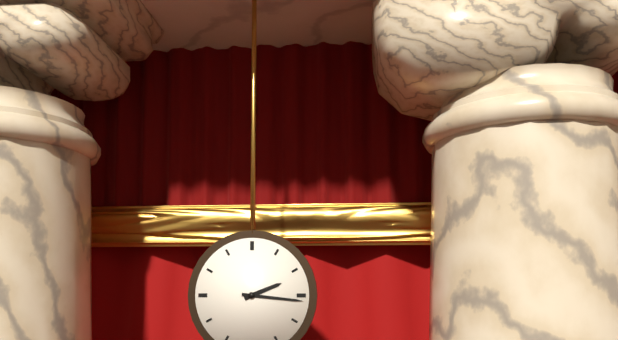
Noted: 2,16
